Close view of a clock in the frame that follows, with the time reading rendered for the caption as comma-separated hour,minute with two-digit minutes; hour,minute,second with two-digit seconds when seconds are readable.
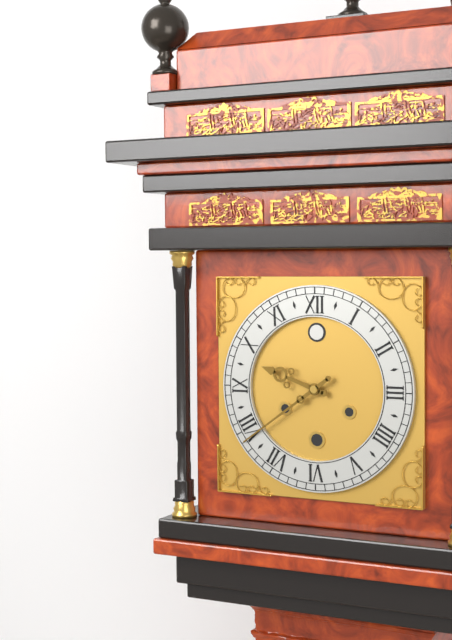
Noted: 9,39
